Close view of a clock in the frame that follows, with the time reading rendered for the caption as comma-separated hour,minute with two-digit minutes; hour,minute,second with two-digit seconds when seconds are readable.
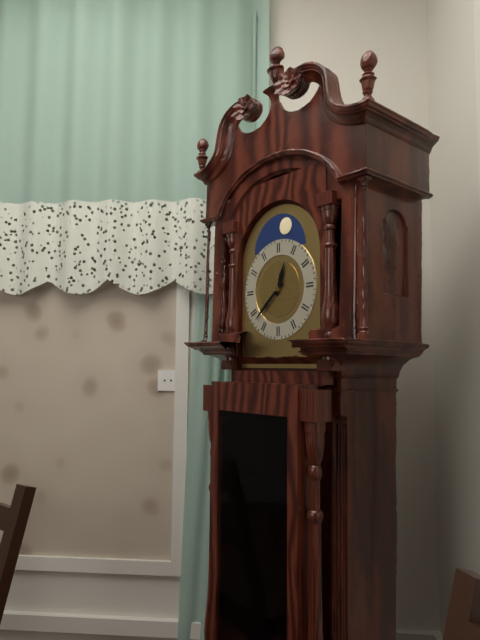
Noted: 12,38
